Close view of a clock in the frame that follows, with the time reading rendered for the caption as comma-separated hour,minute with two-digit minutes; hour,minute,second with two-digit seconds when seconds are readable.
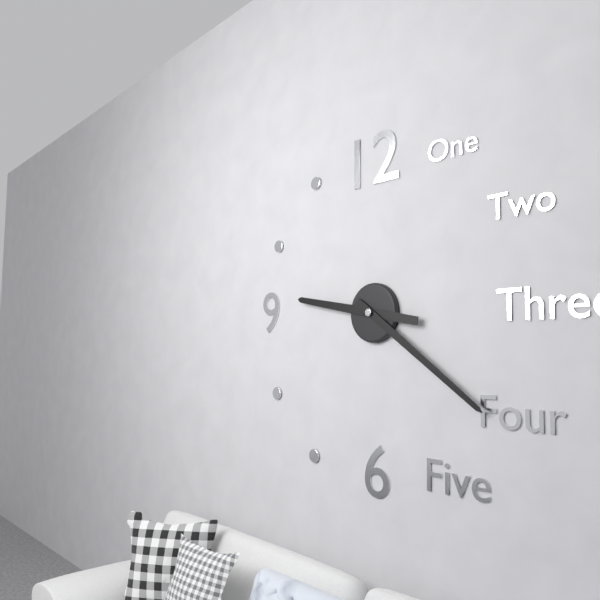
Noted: 9,21
